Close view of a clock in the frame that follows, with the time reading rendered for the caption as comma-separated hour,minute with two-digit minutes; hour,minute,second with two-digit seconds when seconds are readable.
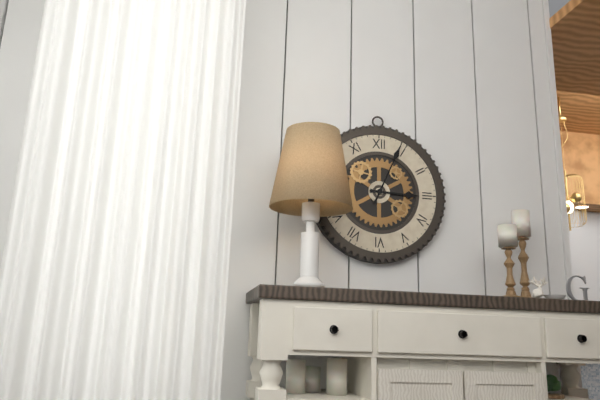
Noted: 3,04
